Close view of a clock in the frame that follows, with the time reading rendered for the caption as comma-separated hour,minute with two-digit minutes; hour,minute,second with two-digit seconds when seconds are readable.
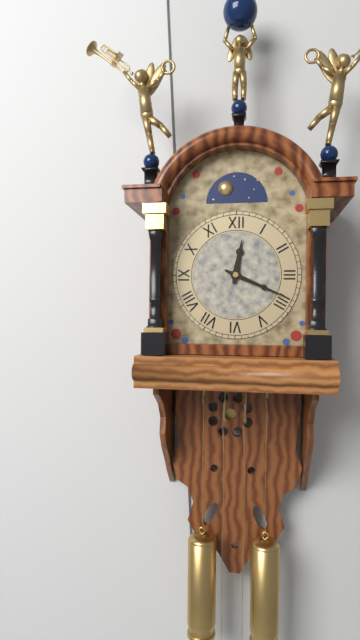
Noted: 12,19
